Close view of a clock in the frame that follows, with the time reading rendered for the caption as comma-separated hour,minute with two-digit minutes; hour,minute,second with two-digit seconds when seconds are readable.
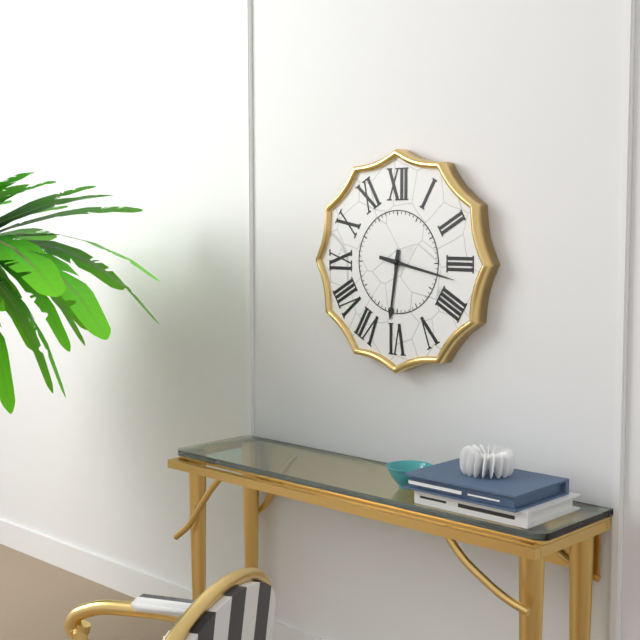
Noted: 6,17
